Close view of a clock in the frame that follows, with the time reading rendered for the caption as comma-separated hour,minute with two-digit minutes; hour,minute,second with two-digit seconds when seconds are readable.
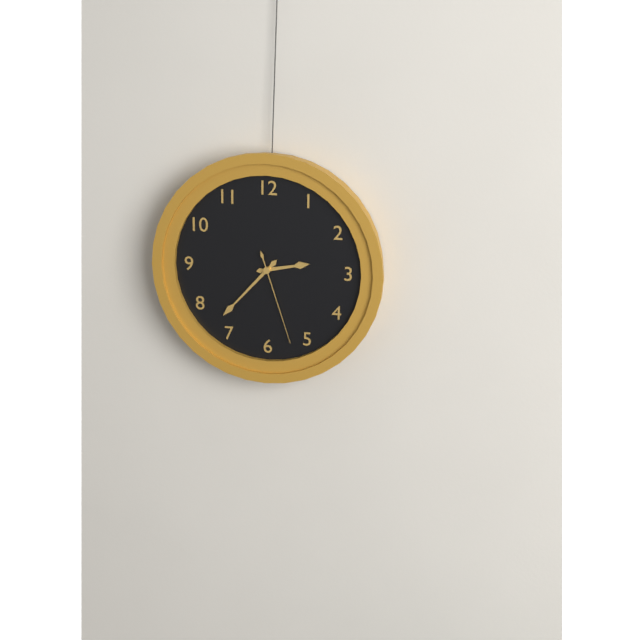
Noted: 2,37,27
